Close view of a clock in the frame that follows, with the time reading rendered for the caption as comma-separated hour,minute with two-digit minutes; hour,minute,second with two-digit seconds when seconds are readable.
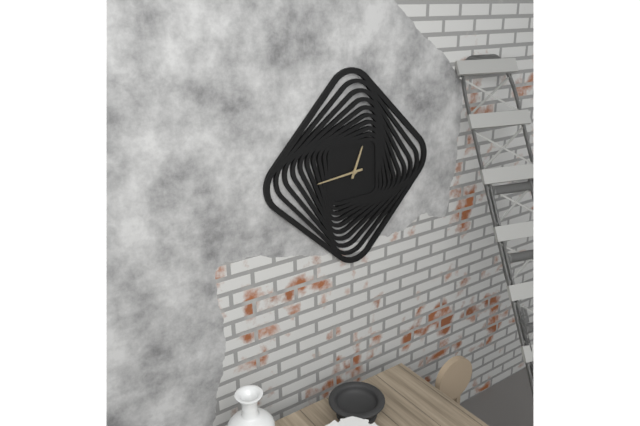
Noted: 12,44
